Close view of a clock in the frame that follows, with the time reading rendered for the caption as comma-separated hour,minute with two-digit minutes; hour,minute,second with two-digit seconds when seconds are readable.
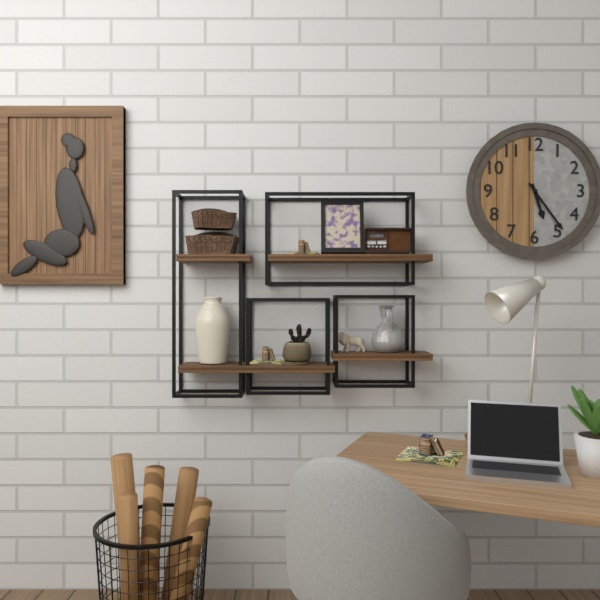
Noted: 5,24
